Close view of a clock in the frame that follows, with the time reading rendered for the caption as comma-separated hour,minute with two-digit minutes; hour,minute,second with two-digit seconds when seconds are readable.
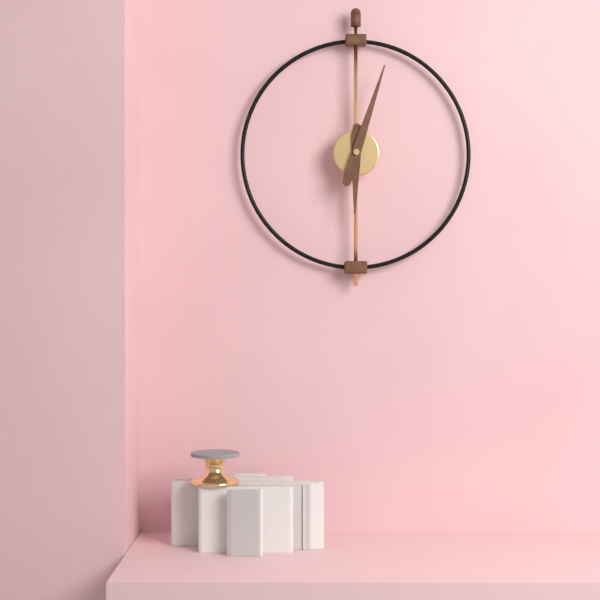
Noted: 6,03
